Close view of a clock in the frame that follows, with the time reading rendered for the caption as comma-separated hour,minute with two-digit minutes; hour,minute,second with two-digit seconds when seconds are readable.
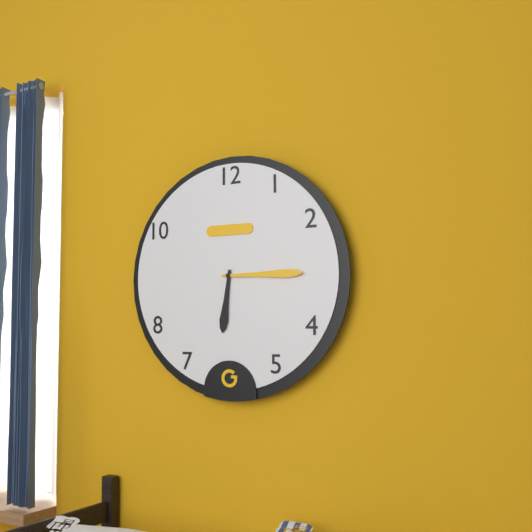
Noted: 6,15
